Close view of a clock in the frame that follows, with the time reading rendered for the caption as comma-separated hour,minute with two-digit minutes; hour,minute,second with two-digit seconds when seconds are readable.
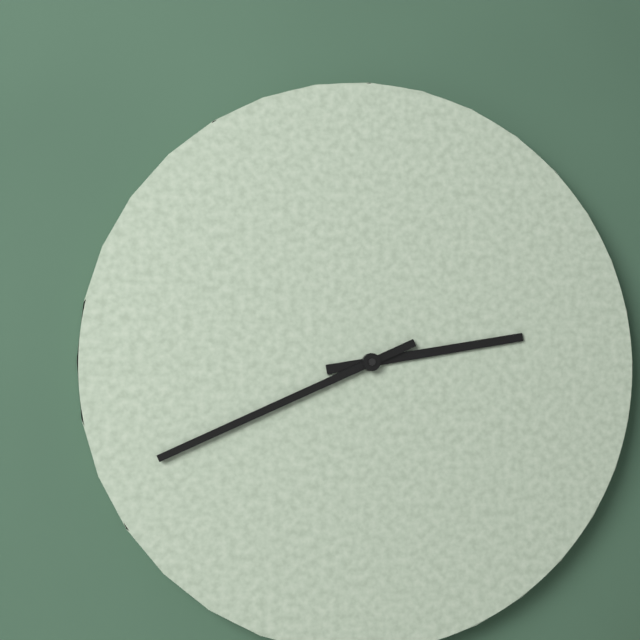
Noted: 2,41
